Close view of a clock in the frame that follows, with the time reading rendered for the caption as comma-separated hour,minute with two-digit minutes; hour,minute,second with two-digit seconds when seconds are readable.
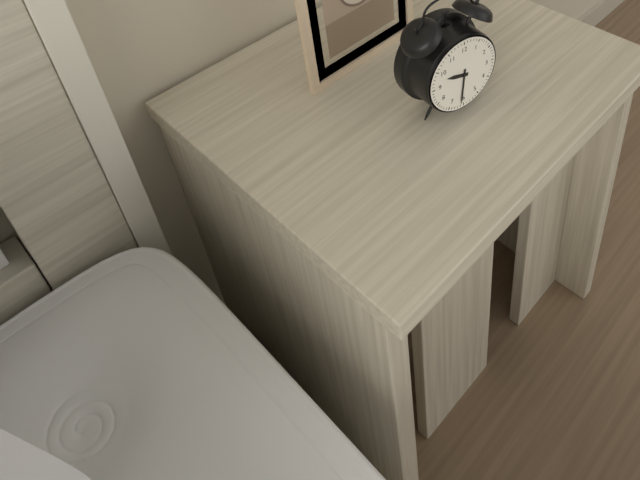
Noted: 9,31
